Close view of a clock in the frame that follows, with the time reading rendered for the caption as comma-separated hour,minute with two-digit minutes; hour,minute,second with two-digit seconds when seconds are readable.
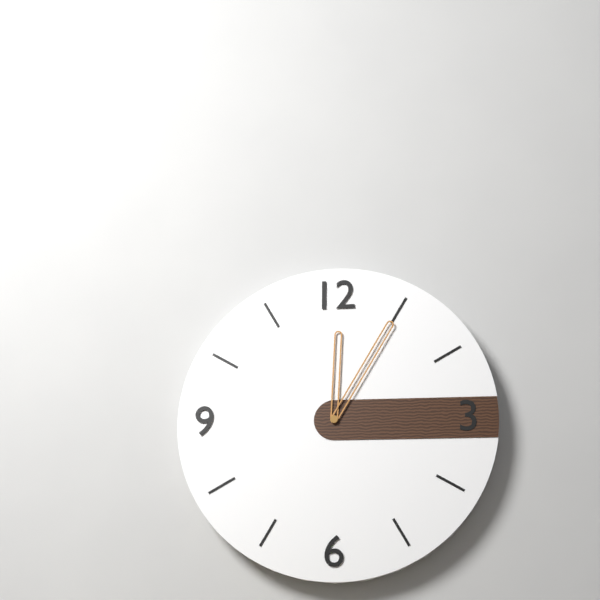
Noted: 12,05
